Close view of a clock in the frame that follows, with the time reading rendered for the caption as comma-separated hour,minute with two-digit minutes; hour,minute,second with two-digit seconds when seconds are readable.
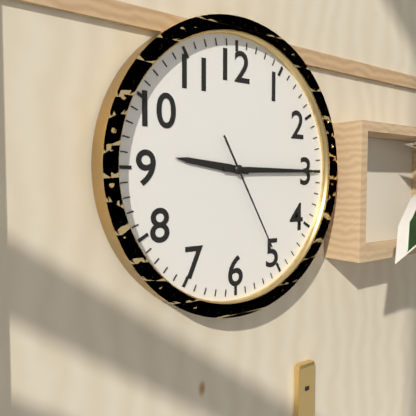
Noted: 9,15,25
